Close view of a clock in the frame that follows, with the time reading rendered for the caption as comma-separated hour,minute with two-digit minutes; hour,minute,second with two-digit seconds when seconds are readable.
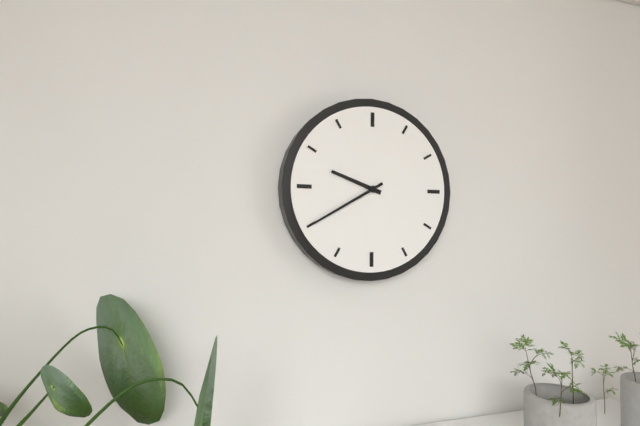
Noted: 9,40
